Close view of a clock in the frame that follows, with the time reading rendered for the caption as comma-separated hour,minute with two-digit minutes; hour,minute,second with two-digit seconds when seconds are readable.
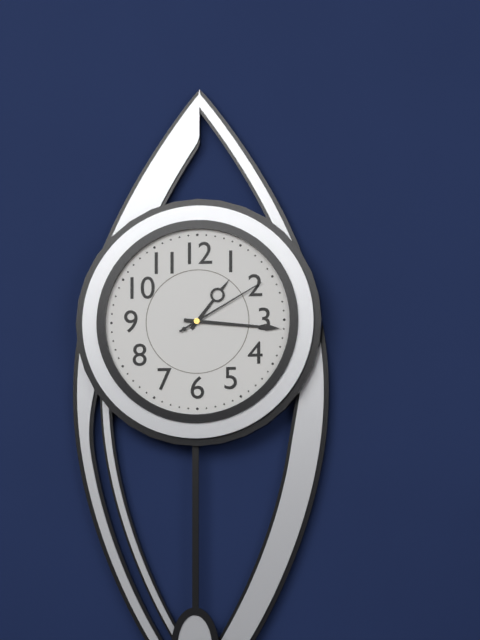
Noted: 1,16,10
